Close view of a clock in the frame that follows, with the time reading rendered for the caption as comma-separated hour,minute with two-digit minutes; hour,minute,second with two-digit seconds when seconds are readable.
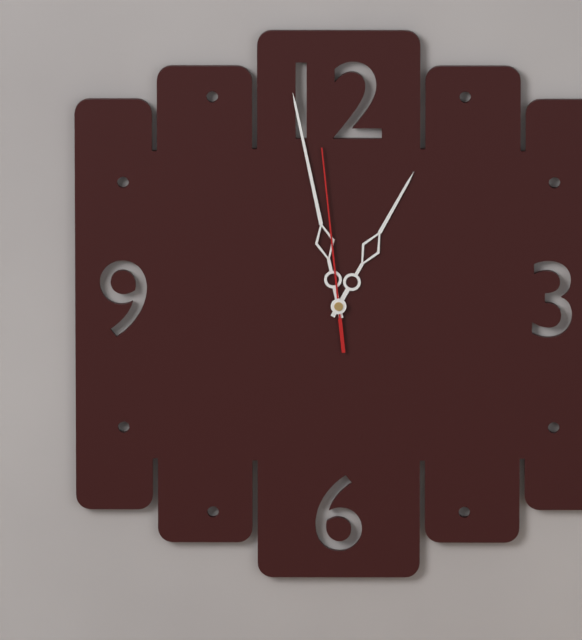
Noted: 12,58,59
